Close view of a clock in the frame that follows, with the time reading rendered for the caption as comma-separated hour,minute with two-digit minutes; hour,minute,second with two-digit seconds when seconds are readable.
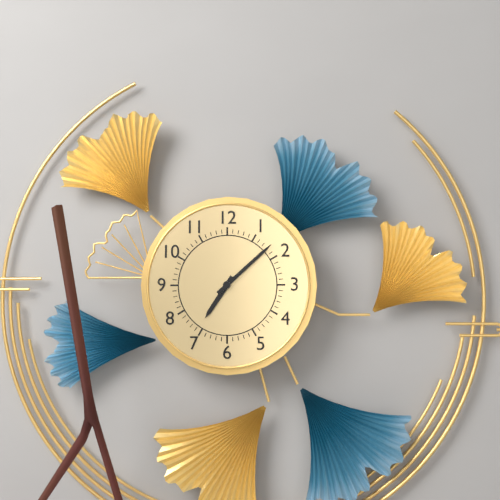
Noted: 7,08
